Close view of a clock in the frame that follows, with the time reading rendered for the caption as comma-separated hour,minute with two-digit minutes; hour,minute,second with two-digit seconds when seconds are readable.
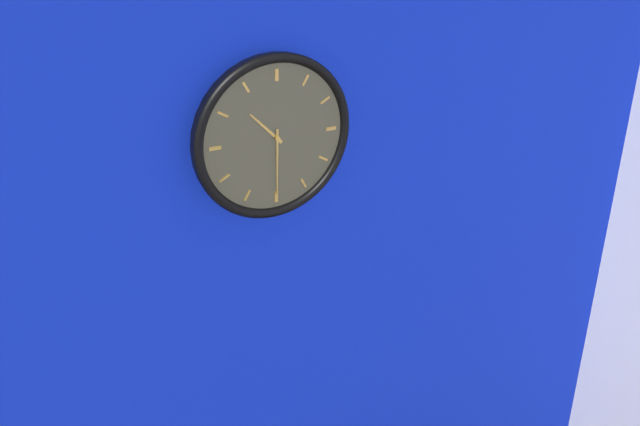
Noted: 10,30
